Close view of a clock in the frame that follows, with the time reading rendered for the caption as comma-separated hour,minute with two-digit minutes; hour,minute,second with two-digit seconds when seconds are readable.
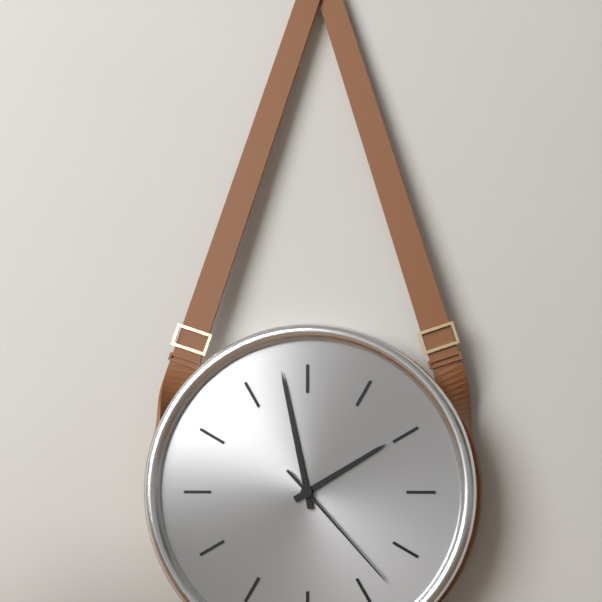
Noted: 1,58,23
